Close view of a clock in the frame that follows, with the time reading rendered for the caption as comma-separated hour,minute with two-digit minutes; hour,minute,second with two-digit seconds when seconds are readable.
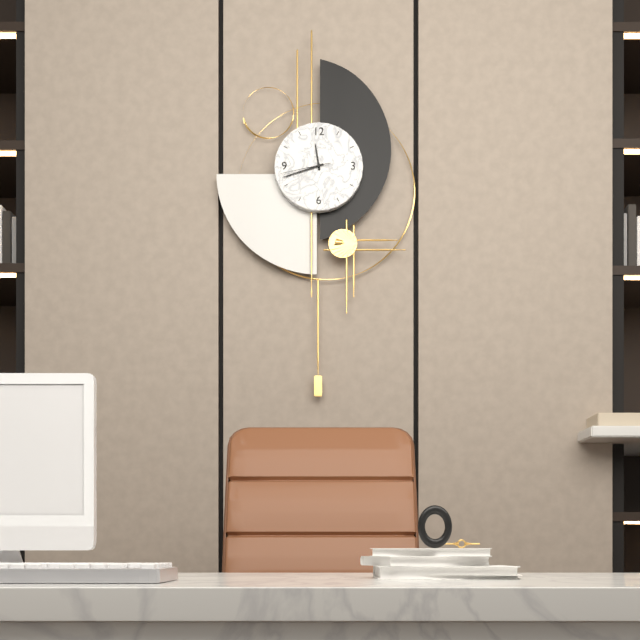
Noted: 11,42
